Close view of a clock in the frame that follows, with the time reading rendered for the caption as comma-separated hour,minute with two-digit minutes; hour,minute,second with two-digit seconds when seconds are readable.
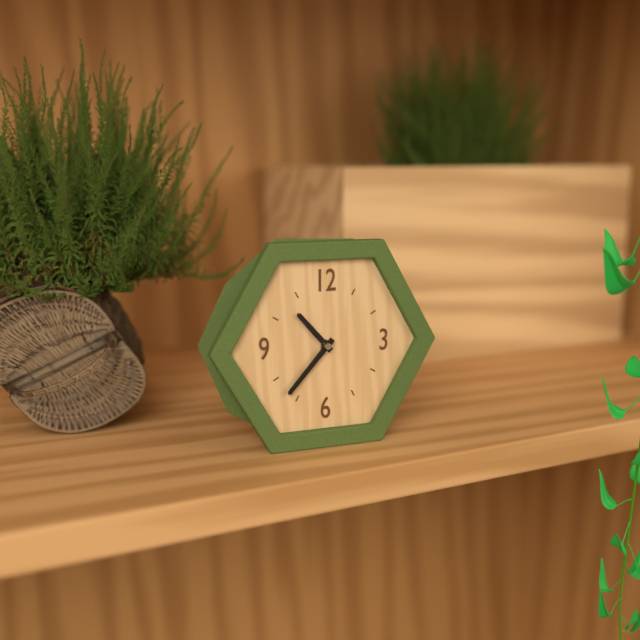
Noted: 10,37
